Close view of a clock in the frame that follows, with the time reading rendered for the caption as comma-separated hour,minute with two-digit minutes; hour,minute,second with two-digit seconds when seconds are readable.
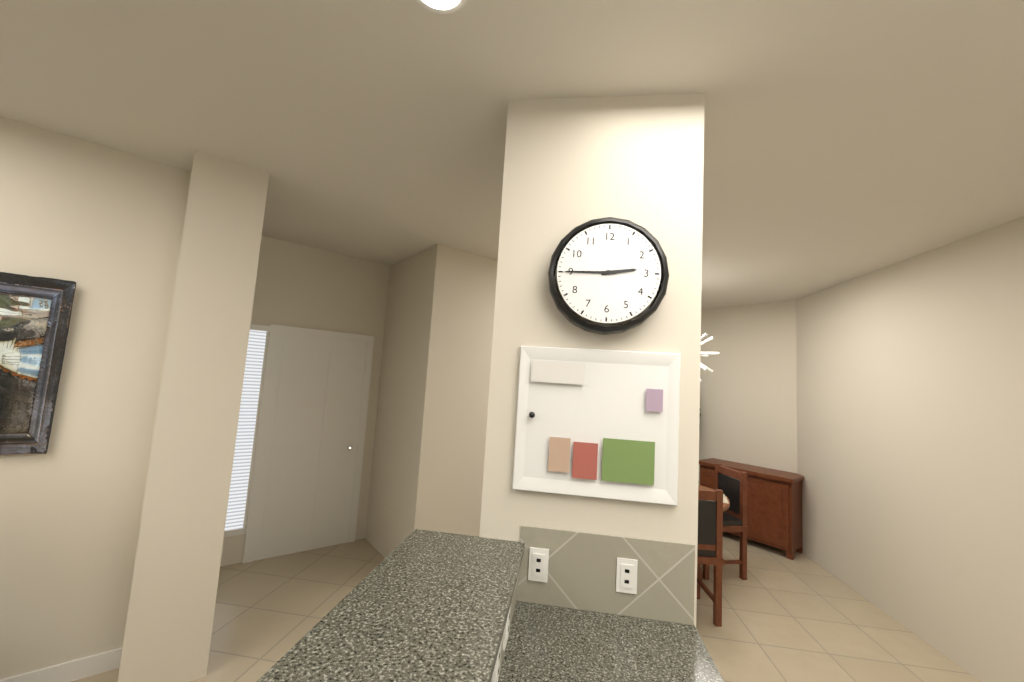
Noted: 2,45
